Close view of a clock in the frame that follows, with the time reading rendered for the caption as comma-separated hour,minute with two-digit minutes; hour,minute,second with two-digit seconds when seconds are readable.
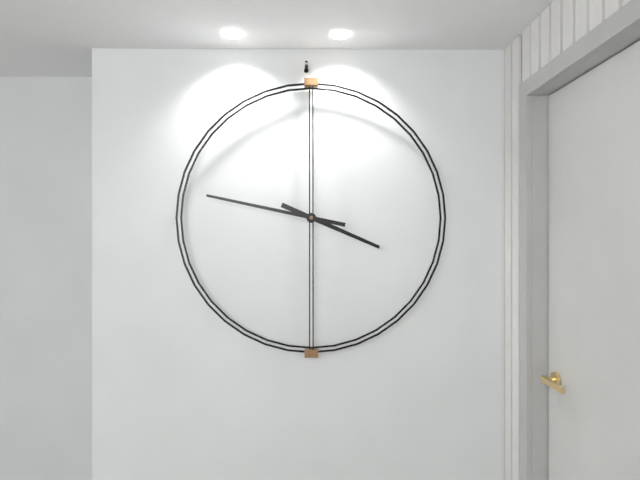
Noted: 3,47
